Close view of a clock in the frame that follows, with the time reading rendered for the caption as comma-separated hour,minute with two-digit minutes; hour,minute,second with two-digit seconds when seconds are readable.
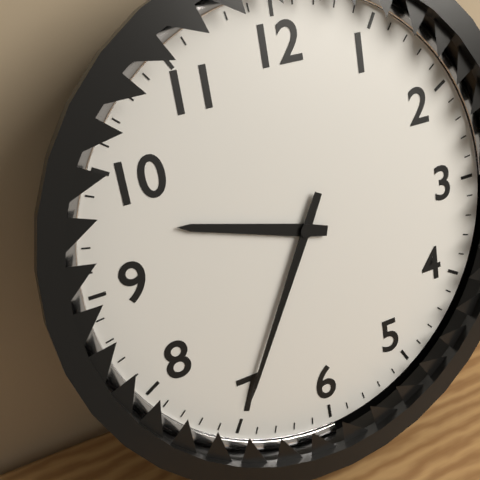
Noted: 9,35
